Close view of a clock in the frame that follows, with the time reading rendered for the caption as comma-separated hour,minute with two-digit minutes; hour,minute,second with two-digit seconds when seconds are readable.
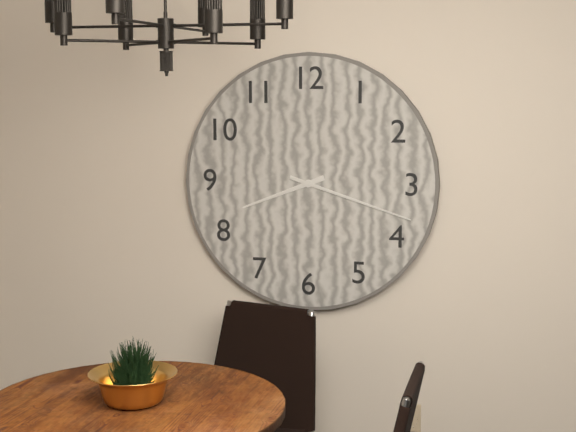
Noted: 8,18
